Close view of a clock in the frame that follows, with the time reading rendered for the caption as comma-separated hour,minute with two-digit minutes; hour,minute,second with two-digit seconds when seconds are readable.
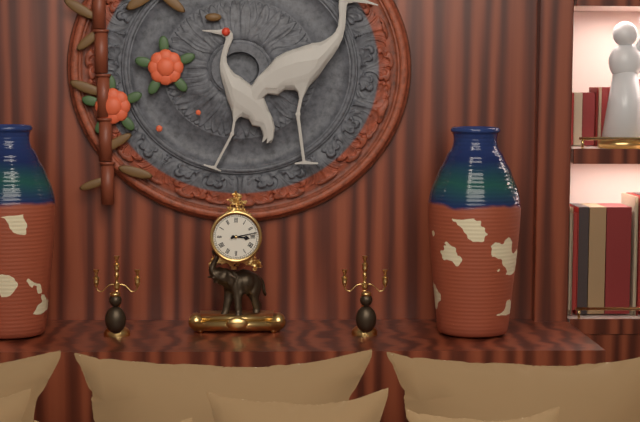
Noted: 3,13
